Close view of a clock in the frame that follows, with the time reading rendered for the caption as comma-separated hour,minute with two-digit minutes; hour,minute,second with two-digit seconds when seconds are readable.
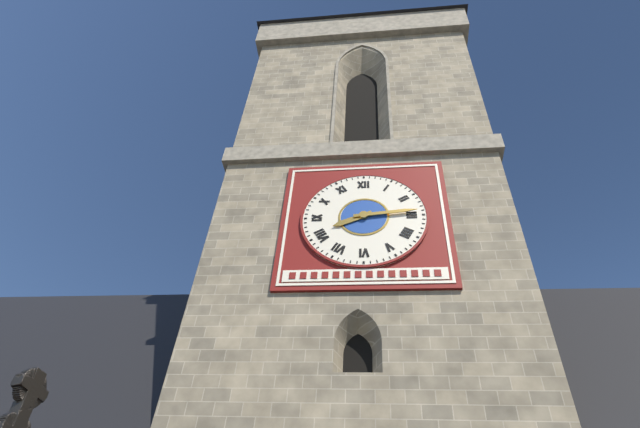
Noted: 8,14
